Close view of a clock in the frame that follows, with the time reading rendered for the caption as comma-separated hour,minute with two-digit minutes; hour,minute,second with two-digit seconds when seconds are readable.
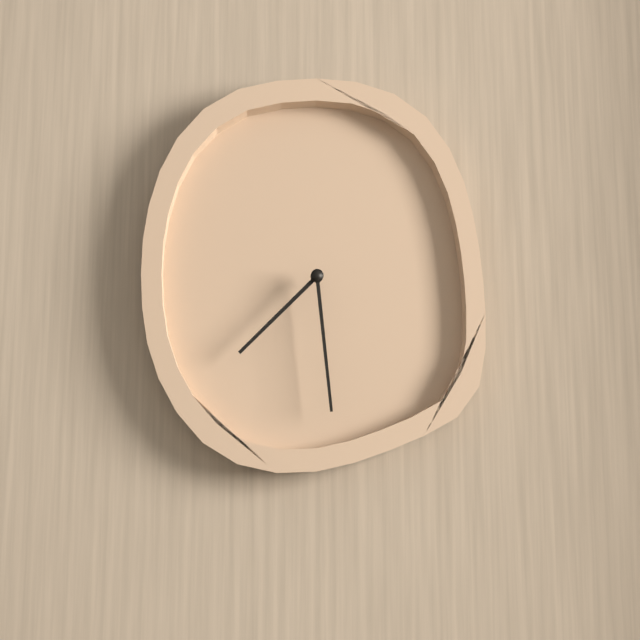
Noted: 7,29
